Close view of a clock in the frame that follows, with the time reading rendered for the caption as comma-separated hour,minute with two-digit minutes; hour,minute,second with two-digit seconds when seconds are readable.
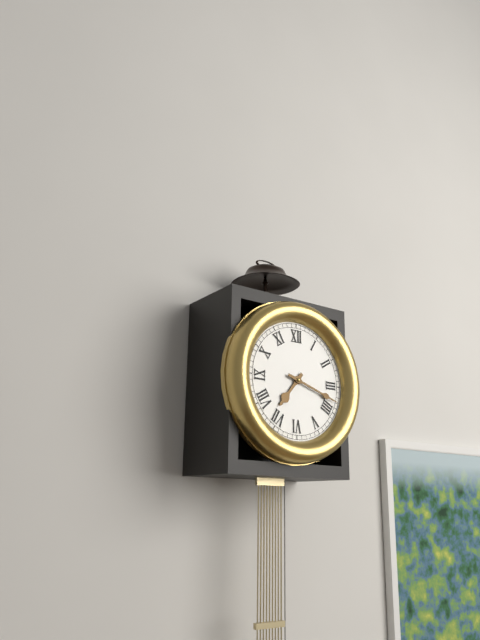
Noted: 7,18
